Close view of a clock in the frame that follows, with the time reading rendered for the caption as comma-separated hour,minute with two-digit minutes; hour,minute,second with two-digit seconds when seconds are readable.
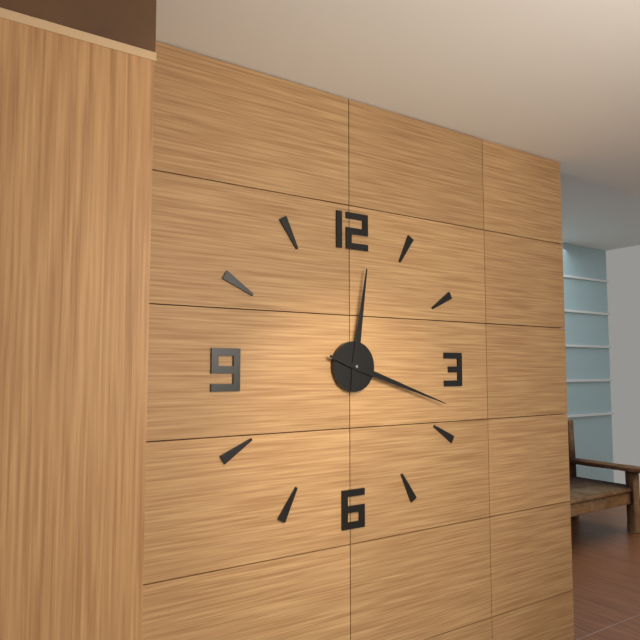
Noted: 12,18
